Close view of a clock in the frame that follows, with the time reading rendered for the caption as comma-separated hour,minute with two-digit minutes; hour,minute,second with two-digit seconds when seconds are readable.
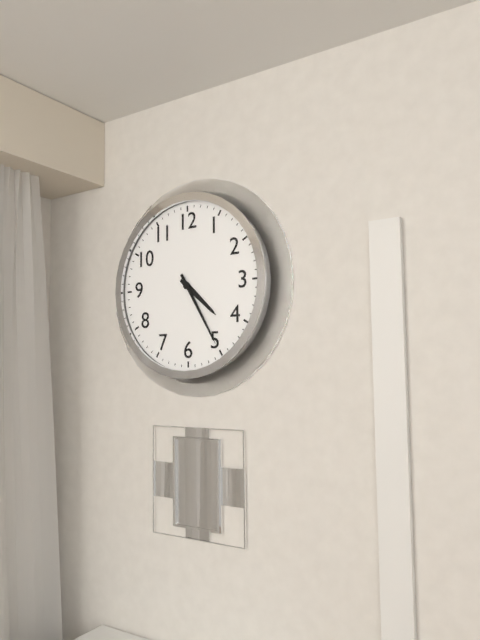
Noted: 4,25
